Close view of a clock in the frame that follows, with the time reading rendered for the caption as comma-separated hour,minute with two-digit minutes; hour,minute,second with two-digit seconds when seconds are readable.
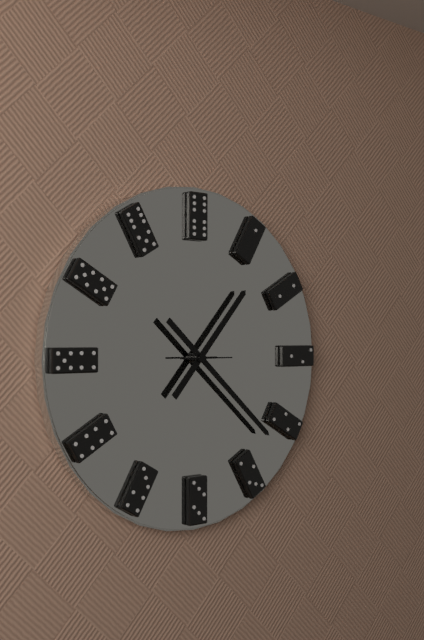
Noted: 1,22,15
